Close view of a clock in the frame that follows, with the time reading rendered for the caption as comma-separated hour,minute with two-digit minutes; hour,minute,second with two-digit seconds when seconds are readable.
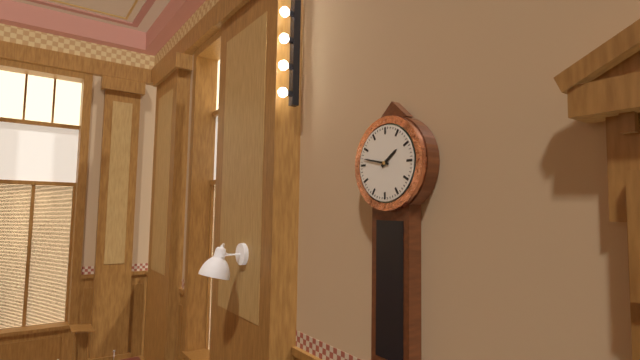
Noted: 1,47
